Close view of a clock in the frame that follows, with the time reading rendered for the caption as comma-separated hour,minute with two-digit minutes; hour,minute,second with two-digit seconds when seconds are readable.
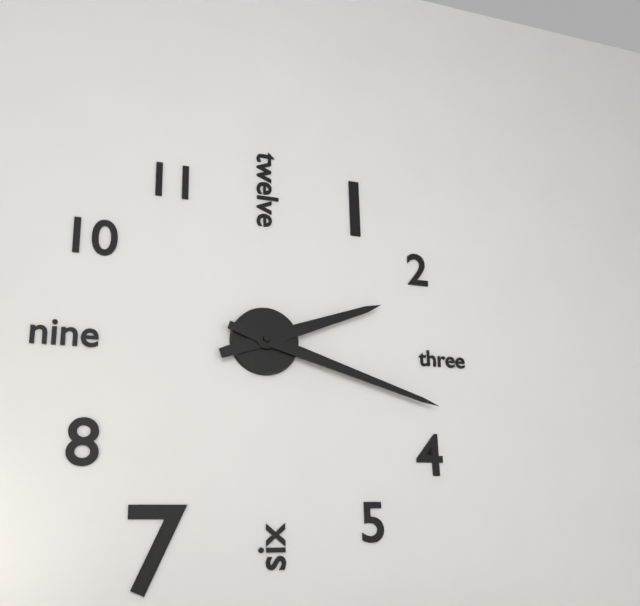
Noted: 2,18
